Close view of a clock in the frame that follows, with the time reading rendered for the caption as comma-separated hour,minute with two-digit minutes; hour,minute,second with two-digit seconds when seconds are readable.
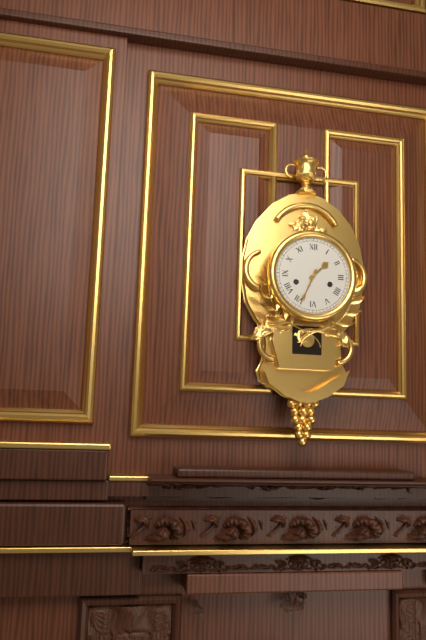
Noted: 1,34
